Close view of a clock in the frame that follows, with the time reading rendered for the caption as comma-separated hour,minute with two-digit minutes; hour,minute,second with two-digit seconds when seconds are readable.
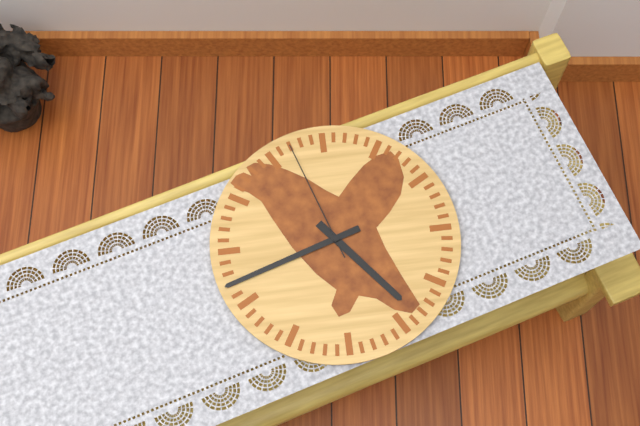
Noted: 4,42,57
